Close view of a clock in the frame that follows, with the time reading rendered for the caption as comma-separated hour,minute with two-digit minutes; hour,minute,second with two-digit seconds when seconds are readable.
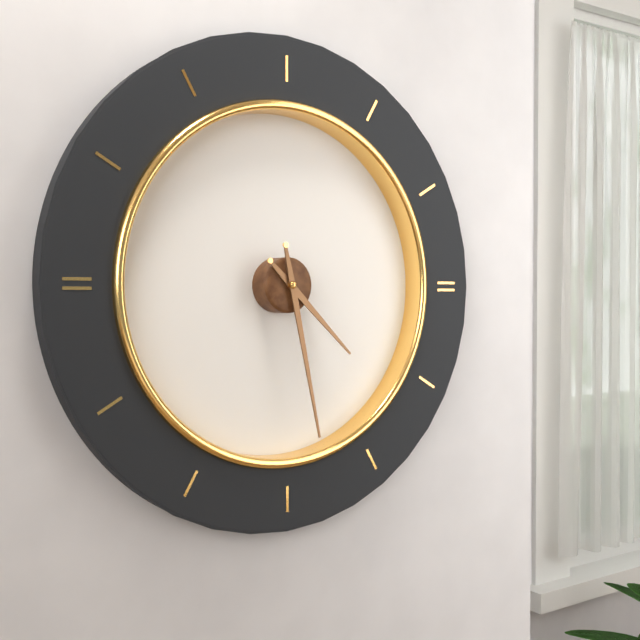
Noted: 4,28
